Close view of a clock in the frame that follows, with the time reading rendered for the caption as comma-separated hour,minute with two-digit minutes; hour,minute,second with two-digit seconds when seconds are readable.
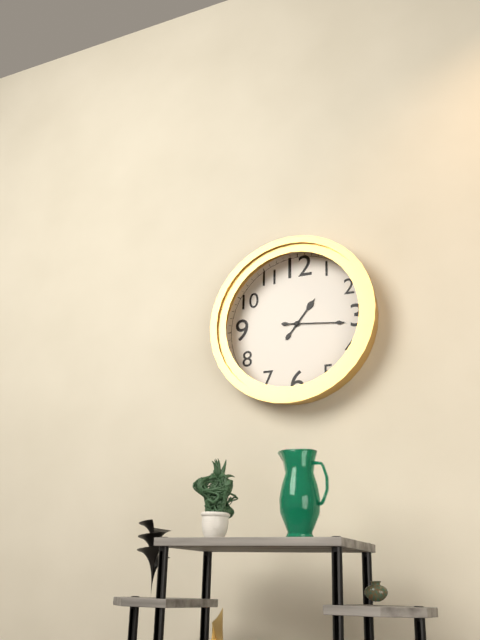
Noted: 1,16
